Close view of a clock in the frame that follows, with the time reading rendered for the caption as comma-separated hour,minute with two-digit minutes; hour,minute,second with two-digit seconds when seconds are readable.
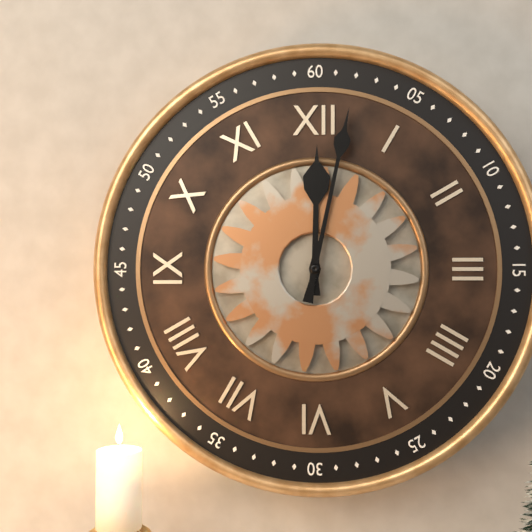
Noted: 12,02
